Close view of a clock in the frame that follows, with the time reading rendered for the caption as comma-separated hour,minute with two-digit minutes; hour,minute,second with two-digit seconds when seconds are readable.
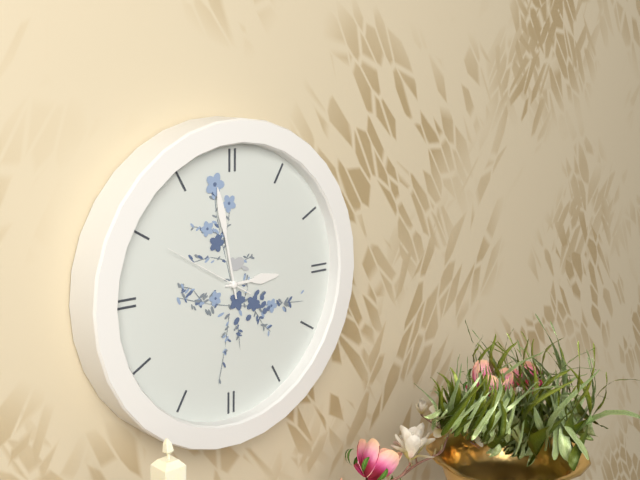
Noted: 2,58,50
